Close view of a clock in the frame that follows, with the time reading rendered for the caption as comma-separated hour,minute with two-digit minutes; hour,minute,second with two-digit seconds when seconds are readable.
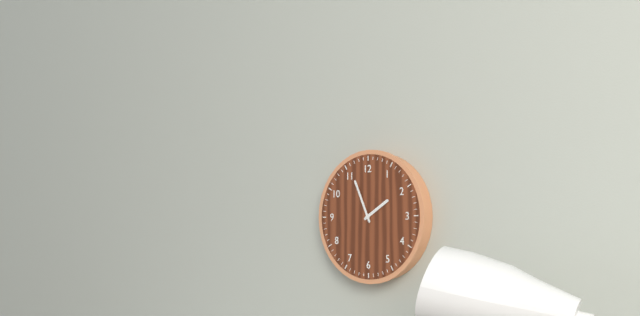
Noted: 1,56
